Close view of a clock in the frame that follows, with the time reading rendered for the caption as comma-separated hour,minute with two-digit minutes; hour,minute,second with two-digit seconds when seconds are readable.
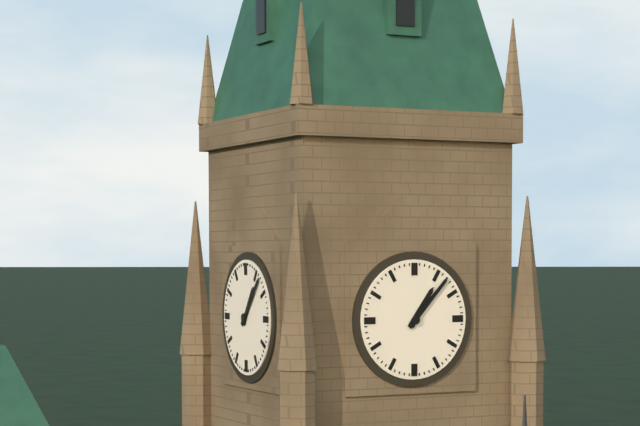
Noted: 1,07
